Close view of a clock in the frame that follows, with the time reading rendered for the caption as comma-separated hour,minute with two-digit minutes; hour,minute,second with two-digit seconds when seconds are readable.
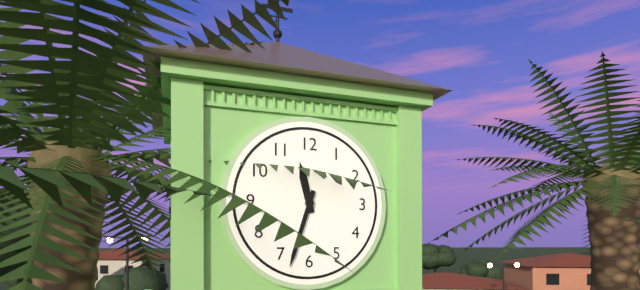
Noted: 11,33
